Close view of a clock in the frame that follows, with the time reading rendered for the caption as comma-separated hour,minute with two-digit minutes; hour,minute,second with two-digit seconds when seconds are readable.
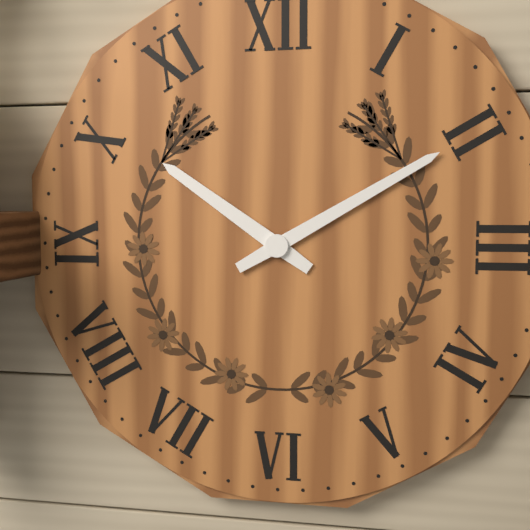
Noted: 10,10
